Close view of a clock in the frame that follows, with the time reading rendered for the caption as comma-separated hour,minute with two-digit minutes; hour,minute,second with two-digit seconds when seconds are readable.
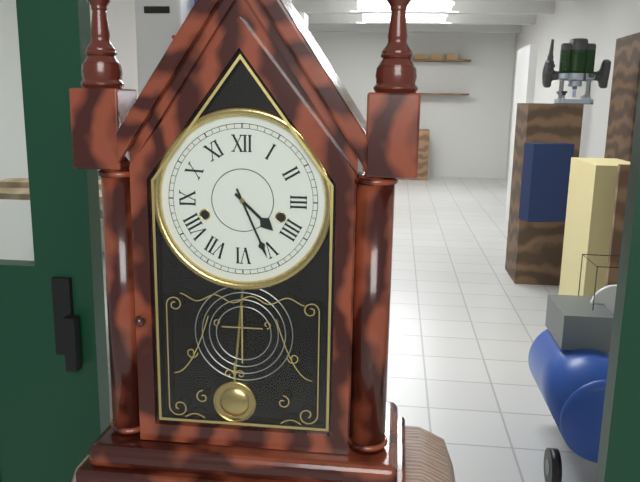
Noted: 4,26
